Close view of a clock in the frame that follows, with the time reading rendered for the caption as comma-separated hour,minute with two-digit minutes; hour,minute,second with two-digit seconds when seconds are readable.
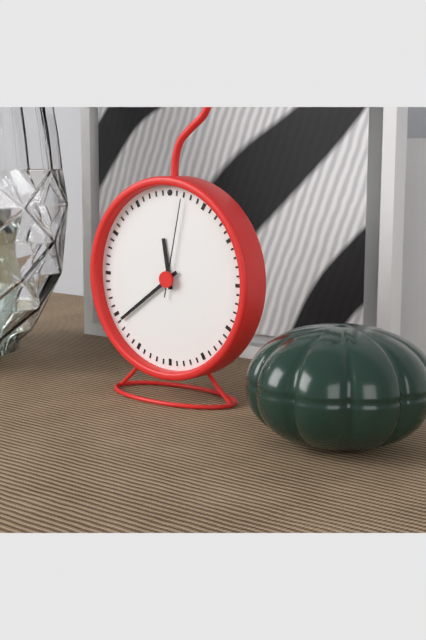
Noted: 11,39,02
